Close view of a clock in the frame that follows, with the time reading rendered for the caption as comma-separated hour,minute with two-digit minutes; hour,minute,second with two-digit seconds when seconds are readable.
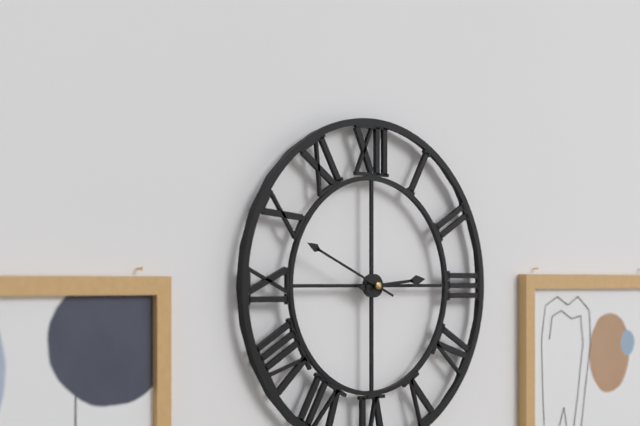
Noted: 2,49
